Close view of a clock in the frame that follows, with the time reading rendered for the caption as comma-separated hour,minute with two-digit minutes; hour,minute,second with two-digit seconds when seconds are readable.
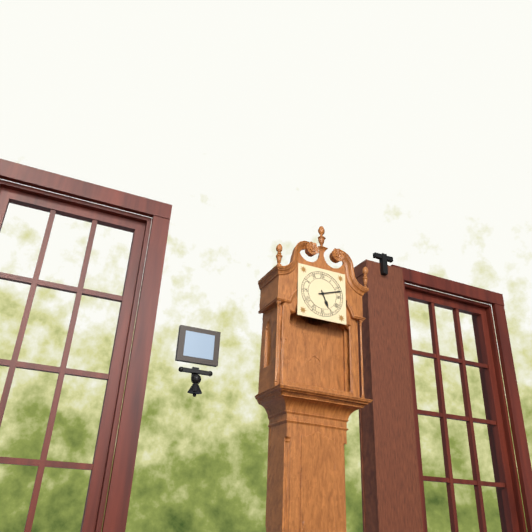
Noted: 5,12
